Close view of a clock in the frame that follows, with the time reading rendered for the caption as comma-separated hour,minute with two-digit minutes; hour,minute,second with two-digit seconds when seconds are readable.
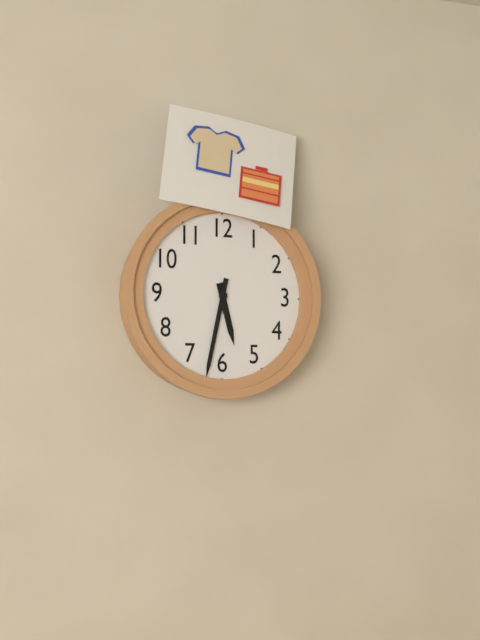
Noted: 5,32
